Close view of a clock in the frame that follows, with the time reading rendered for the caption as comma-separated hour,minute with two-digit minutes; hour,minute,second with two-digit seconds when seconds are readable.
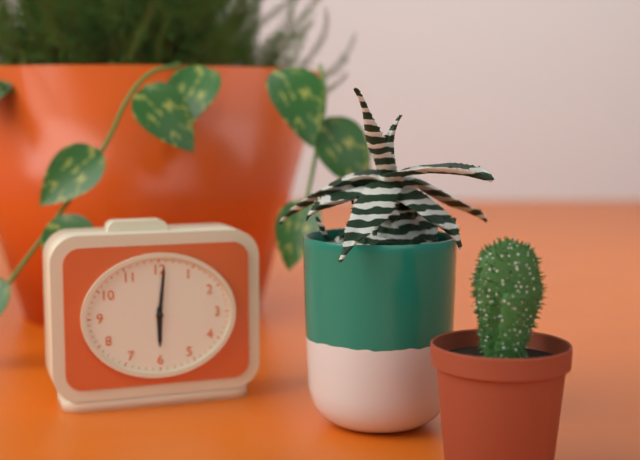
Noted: 6,01
